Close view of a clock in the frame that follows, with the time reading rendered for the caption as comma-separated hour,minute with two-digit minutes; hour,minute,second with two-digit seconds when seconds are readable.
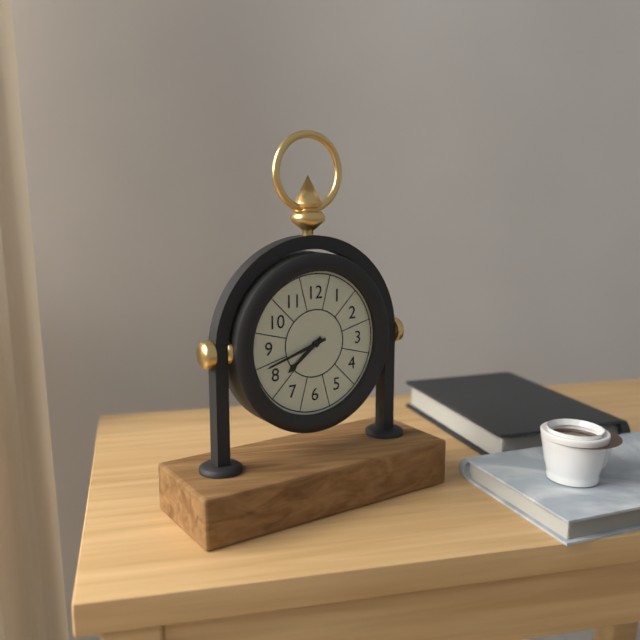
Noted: 7,42
